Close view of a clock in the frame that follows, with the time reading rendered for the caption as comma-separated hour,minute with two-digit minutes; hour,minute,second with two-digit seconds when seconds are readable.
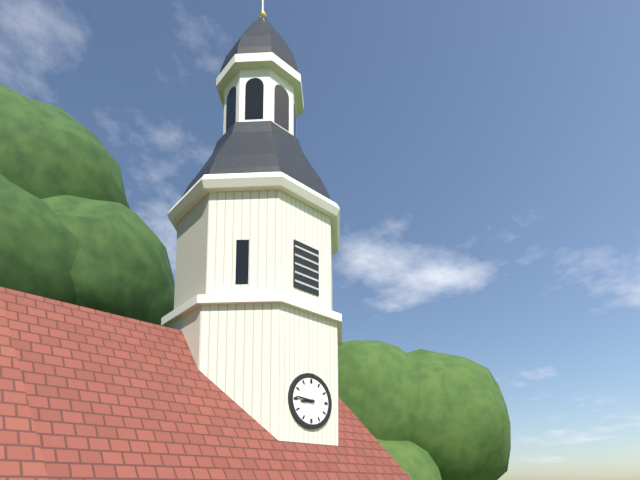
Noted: 8,46
